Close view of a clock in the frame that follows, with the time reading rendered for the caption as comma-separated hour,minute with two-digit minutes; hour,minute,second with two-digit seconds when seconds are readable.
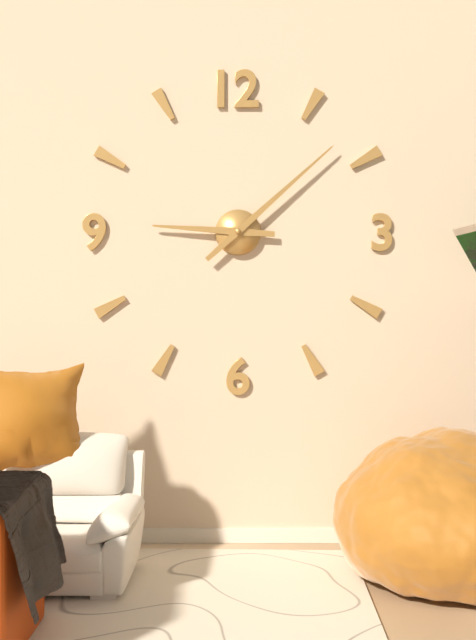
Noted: 9,08
